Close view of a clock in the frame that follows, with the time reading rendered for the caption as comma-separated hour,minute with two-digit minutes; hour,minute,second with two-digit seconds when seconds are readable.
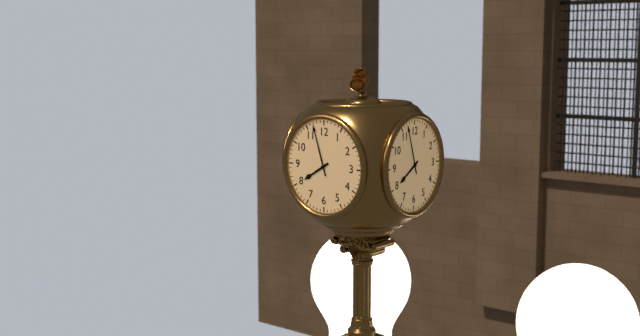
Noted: 7,57
